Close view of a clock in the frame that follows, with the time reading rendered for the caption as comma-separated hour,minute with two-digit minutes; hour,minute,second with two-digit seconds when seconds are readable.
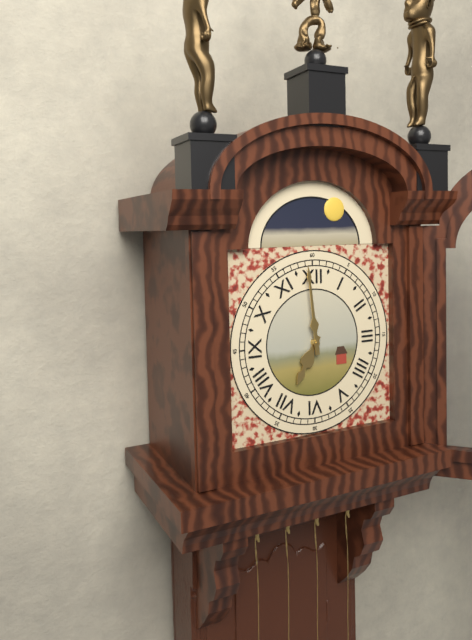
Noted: 6,59
